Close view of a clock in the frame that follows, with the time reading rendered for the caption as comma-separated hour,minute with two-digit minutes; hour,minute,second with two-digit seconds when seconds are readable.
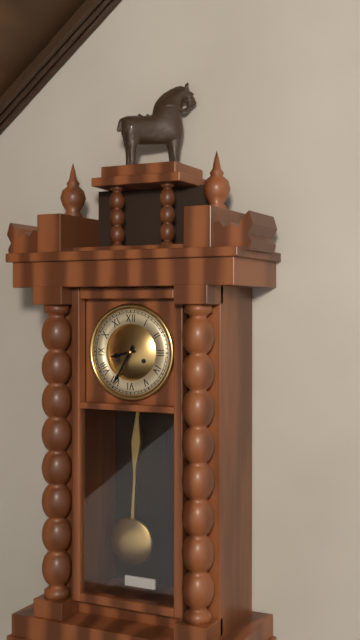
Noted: 8,35
